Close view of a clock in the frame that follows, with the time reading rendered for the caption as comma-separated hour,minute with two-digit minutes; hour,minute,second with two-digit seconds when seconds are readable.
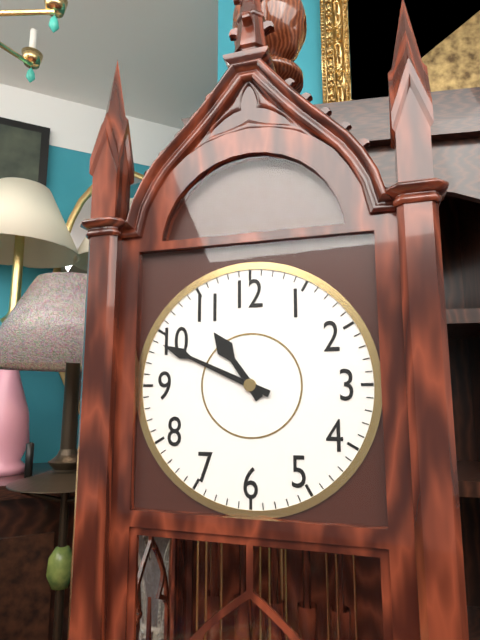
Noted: 10,49
